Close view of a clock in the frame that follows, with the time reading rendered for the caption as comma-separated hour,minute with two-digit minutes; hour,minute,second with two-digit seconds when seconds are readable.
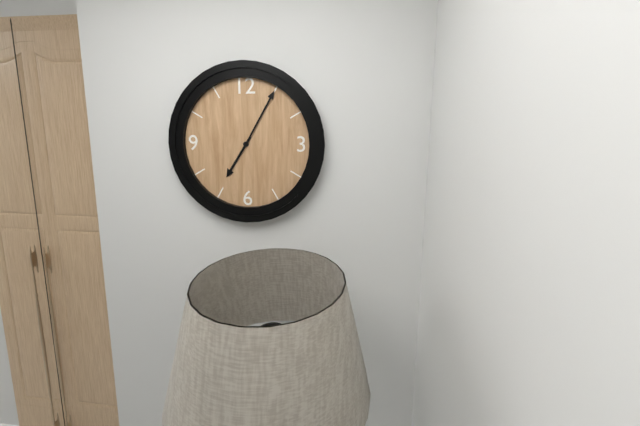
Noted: 7,05
